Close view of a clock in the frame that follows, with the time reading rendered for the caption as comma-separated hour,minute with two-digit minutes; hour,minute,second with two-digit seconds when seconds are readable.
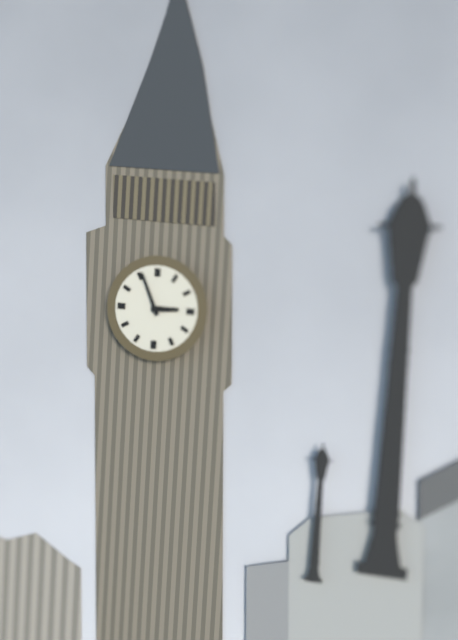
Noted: 2,56
